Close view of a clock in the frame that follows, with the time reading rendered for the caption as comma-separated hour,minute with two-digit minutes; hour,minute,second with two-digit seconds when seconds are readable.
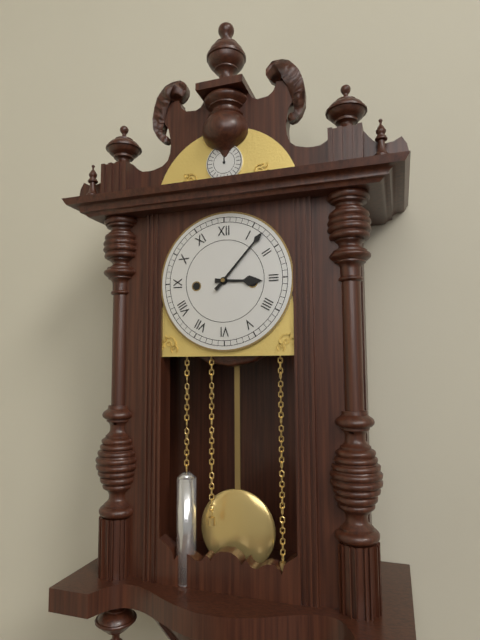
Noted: 3,07
